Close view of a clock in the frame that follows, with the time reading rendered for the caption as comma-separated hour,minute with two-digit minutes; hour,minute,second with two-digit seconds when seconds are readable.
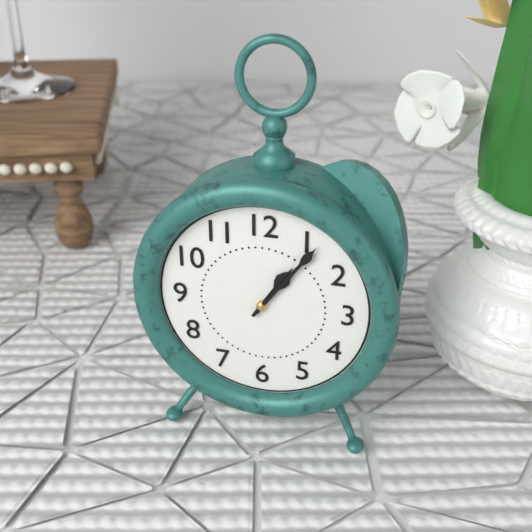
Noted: 1,06
